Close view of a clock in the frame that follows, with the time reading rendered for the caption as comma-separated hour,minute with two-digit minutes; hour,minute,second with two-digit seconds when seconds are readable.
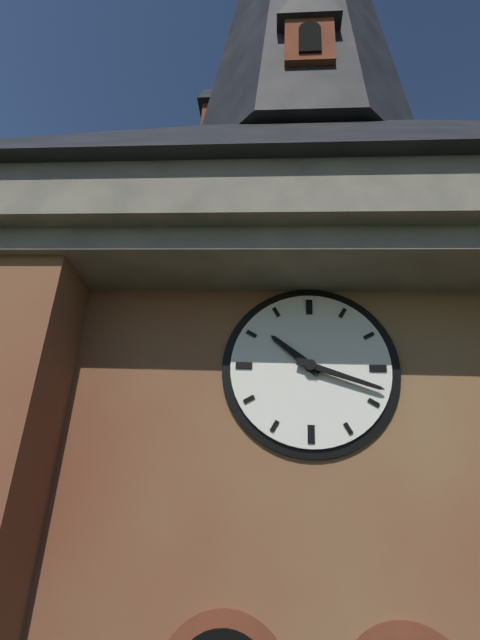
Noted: 10,18
